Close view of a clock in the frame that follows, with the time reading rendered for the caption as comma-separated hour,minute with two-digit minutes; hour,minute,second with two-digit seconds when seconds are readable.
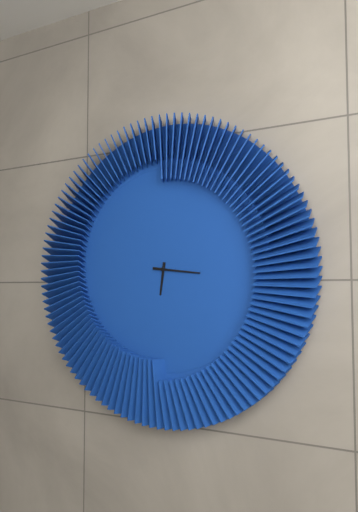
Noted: 6,16
